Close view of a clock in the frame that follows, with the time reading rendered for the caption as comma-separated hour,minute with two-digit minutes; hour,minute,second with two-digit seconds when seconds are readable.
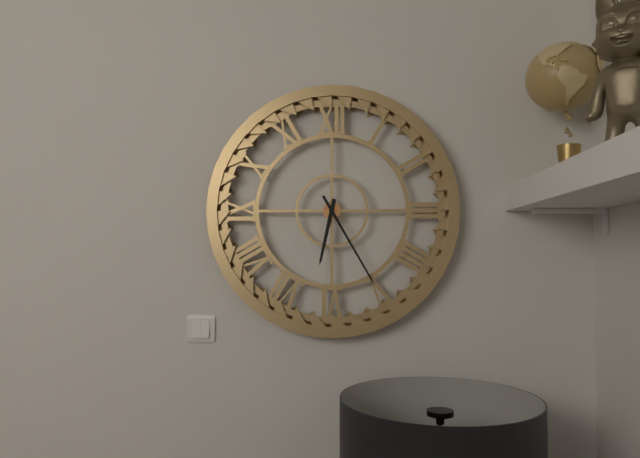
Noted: 6,25
